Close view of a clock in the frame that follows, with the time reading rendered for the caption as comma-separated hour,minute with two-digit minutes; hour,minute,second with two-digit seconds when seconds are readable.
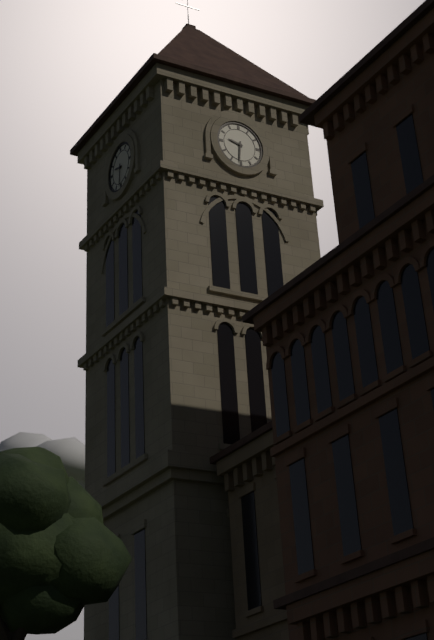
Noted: 9,31
